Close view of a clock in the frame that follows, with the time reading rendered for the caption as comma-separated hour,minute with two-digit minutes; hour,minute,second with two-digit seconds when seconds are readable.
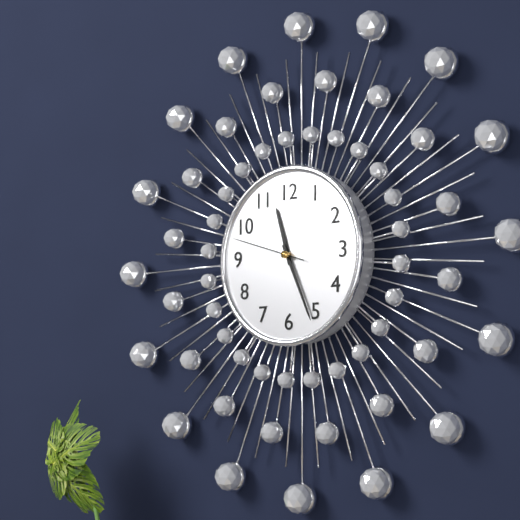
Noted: 11,26,48
